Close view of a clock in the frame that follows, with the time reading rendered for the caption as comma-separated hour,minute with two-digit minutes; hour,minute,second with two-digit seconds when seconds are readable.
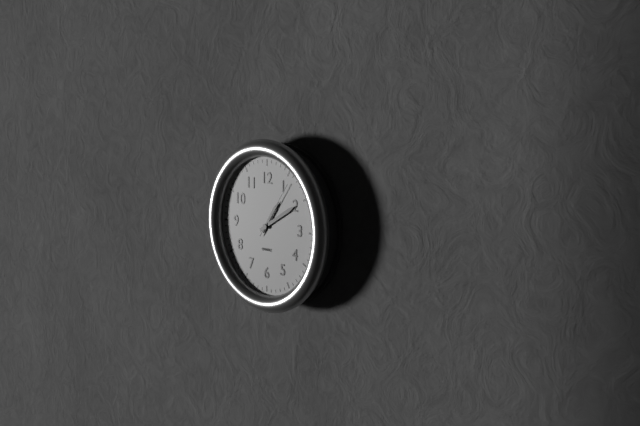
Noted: 1,10,06
